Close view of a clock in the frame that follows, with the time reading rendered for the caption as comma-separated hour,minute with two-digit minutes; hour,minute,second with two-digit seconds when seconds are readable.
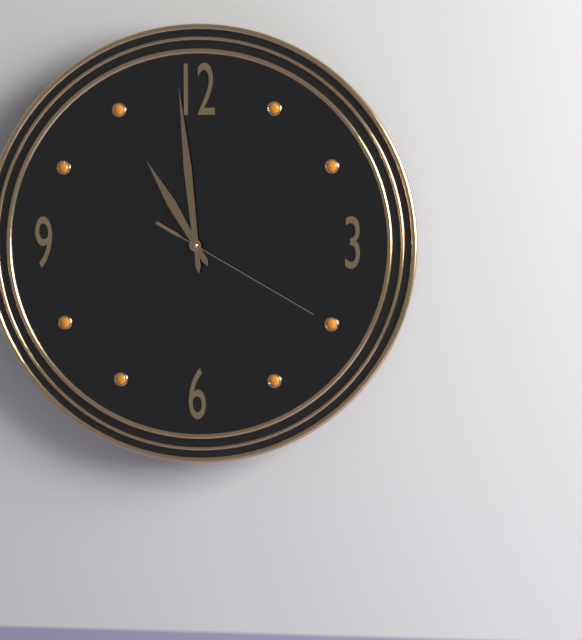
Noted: 10,59,20
